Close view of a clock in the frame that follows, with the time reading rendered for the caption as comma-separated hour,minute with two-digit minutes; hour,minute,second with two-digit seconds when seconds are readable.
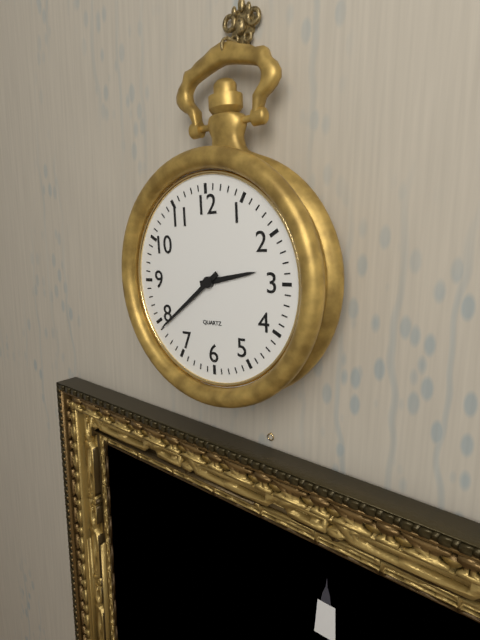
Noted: 2,39
